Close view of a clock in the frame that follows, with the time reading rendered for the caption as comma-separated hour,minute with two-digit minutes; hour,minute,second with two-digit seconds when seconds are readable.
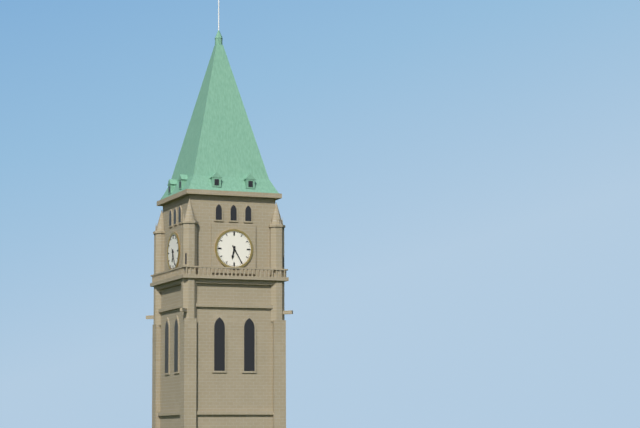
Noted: 6,25
